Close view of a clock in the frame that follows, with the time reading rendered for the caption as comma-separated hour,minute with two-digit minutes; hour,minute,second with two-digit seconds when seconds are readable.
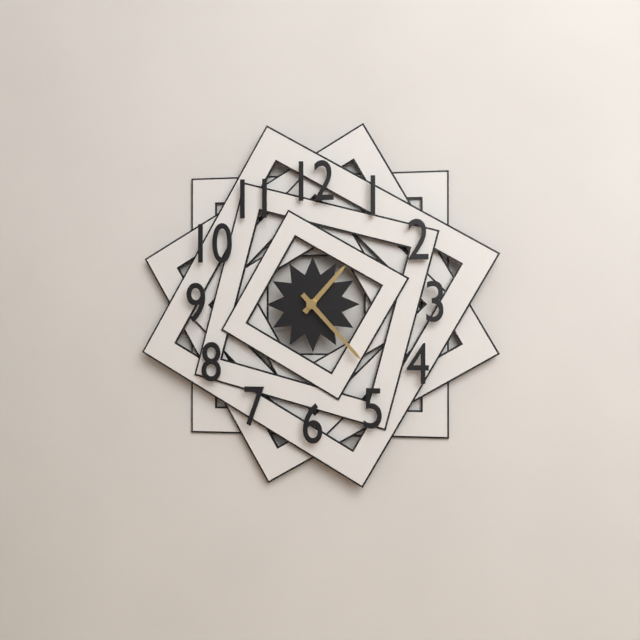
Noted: 1,23
